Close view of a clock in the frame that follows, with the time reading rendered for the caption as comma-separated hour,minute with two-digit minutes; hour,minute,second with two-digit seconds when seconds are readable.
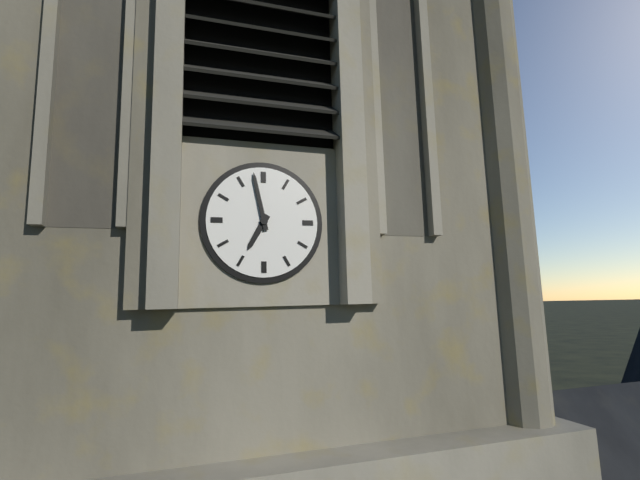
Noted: 6,58
